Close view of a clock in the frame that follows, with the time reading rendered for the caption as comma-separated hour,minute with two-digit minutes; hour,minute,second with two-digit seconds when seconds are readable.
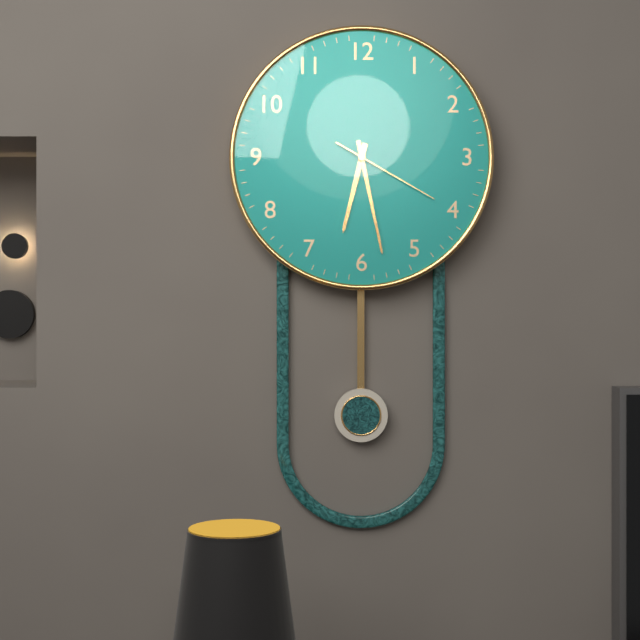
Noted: 6,28,20
